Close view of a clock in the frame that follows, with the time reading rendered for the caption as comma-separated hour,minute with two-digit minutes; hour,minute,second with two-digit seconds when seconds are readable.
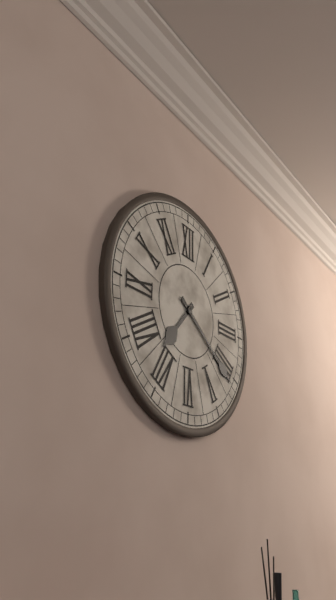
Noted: 7,21
